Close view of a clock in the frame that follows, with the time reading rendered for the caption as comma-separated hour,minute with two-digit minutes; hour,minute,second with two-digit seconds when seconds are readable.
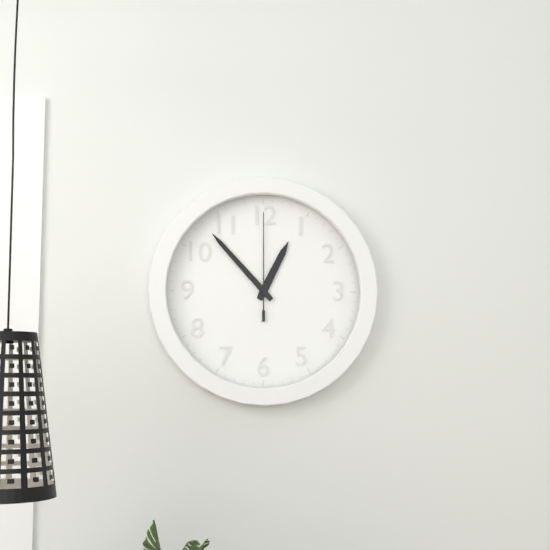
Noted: 12,53,00
